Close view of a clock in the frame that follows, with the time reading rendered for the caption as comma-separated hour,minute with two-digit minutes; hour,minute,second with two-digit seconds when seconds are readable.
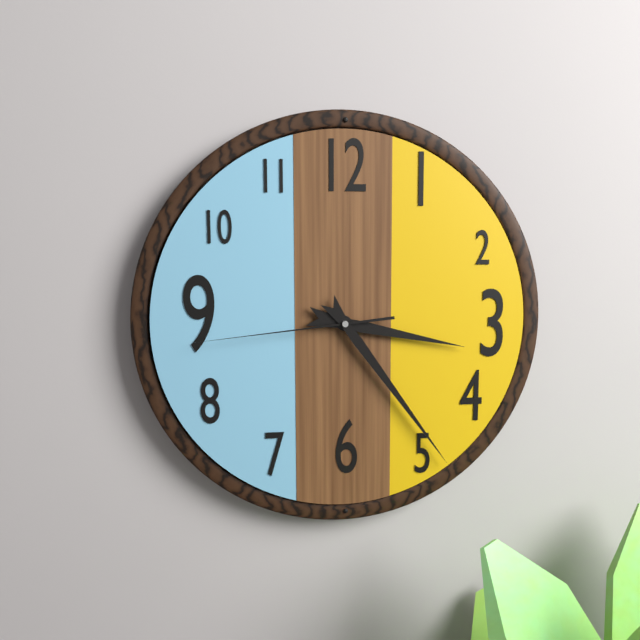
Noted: 3,24,44
